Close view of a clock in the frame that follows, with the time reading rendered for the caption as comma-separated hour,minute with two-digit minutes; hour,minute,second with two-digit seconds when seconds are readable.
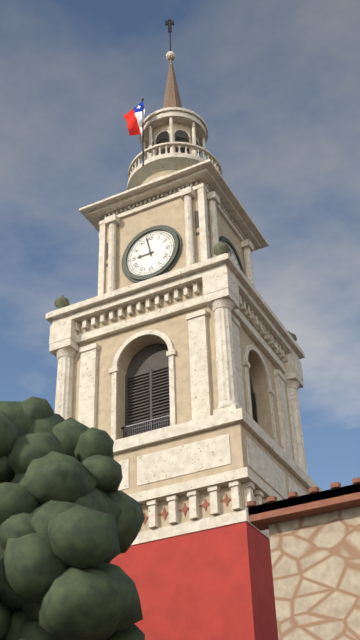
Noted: 8,58
